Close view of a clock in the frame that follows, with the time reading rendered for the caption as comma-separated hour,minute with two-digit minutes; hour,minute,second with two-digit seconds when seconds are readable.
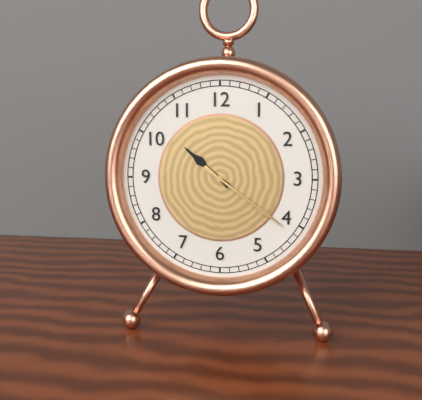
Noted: 10,21
